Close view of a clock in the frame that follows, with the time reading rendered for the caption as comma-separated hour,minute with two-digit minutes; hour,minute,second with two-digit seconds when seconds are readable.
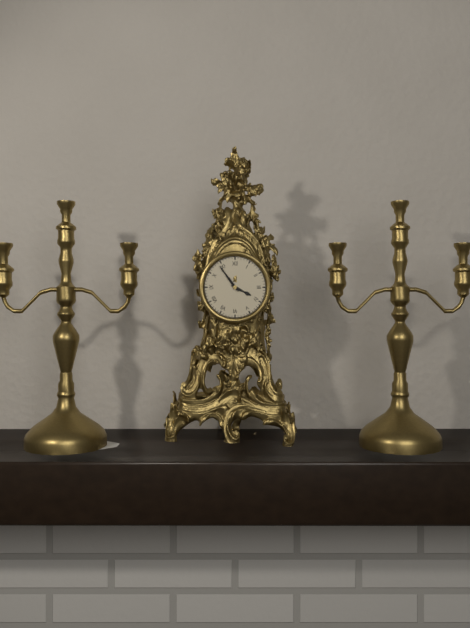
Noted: 3,54
